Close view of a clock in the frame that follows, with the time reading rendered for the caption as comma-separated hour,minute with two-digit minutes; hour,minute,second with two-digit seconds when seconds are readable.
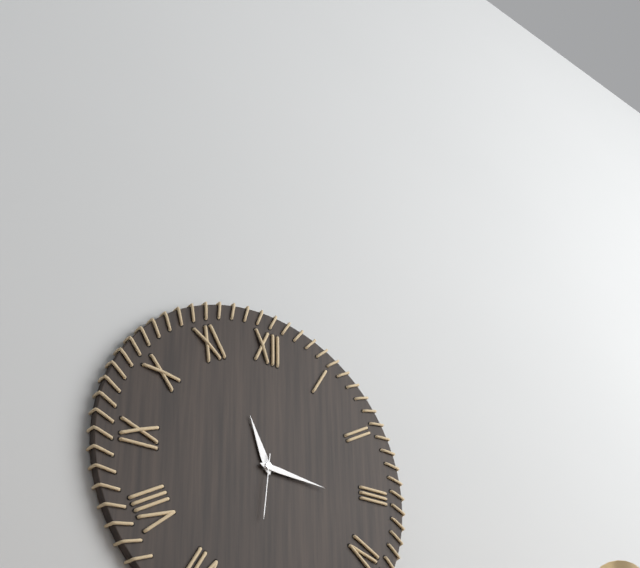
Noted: 11,16,31
